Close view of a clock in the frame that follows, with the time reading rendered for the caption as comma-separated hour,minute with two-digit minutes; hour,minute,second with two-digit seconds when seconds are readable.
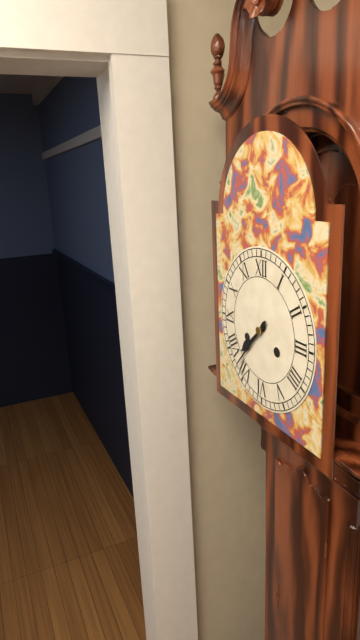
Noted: 7,37
